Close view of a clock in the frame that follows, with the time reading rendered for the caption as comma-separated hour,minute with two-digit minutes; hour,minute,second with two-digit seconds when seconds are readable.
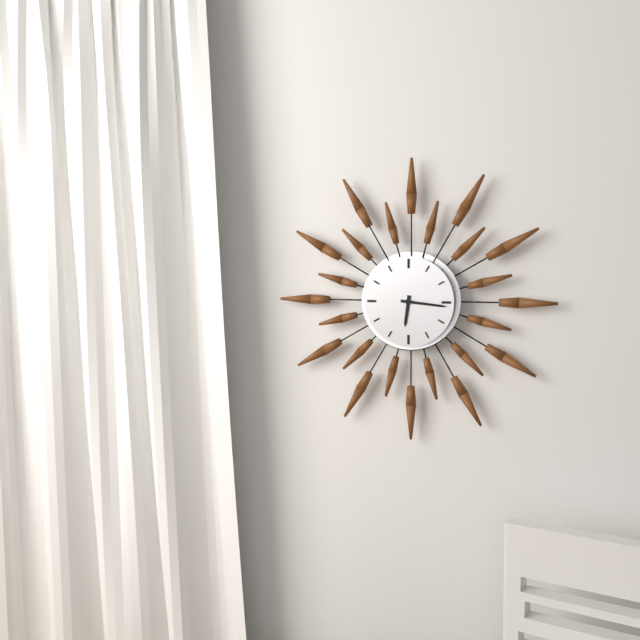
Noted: 6,16
